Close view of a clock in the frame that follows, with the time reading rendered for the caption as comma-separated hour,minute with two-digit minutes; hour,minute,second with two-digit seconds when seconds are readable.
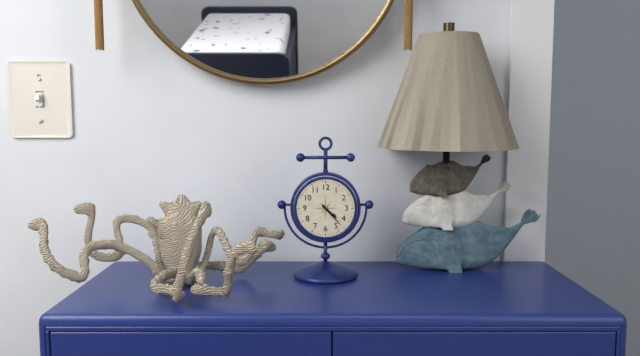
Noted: 4,23
